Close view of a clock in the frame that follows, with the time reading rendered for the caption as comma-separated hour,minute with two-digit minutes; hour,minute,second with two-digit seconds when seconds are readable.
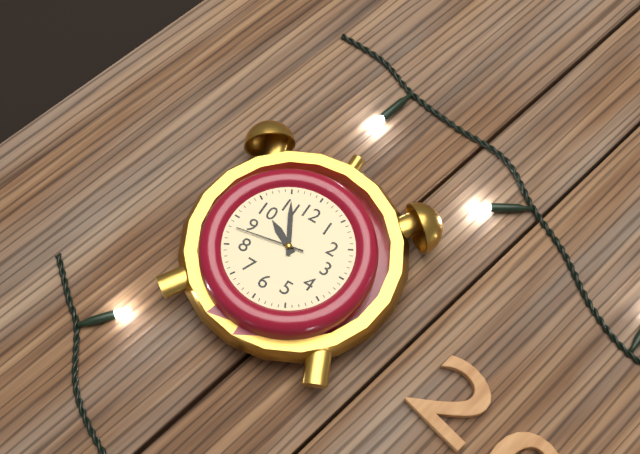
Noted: 9,55,43
